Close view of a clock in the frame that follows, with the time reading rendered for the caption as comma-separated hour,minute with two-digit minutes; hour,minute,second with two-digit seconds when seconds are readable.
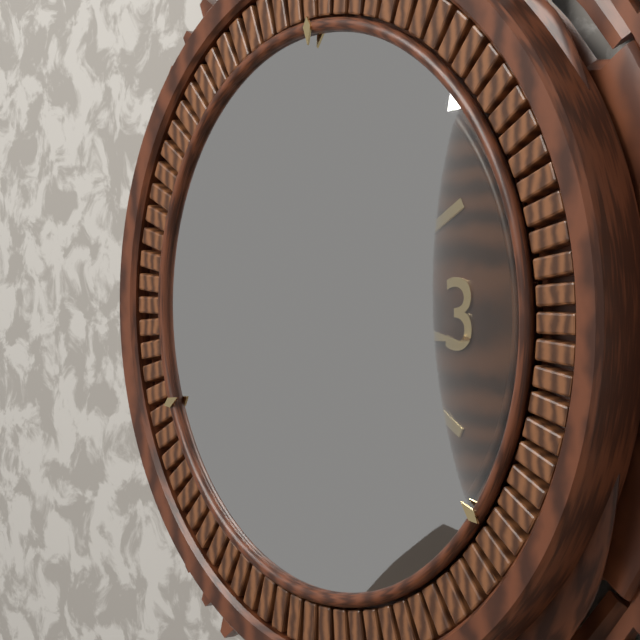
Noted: 6,16,38
